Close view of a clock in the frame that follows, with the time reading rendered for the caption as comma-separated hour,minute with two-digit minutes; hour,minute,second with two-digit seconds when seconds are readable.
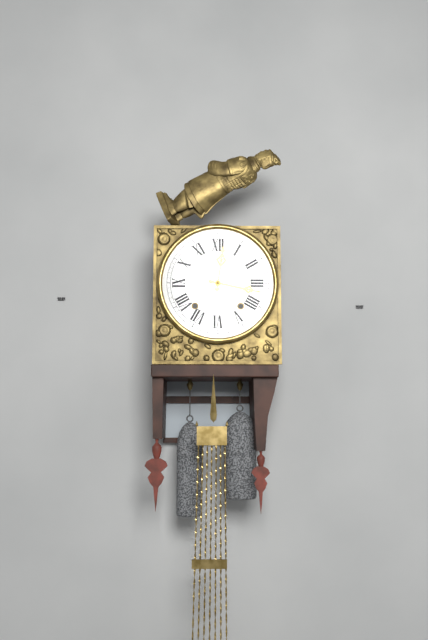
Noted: 12,17
